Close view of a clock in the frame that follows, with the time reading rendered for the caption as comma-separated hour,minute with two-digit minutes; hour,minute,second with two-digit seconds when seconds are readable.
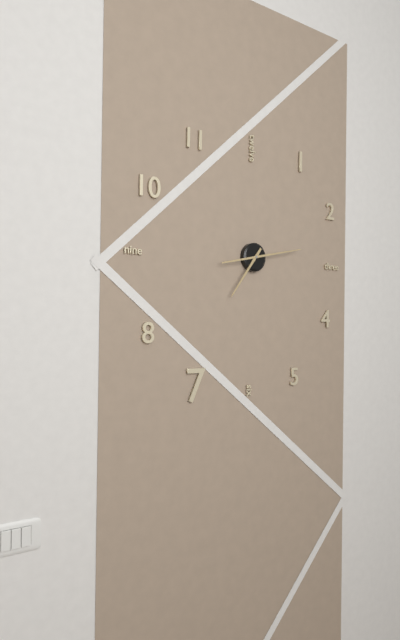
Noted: 7,13
